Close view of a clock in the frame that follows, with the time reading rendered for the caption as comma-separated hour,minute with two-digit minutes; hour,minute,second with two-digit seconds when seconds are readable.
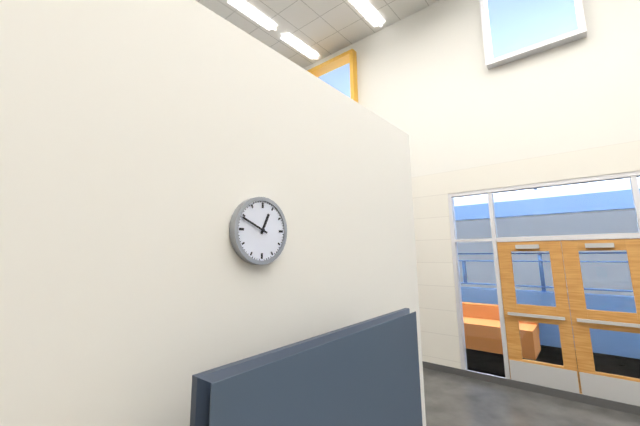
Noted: 12,49
